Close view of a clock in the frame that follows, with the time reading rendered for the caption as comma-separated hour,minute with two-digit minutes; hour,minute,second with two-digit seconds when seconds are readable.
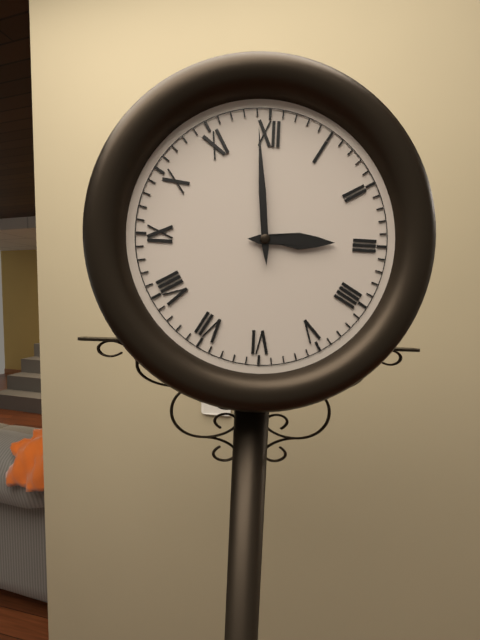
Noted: 2,59
